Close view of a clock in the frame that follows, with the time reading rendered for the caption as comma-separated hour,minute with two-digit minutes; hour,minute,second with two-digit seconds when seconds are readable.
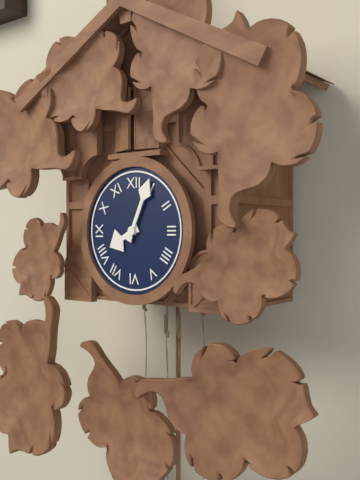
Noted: 8,04
